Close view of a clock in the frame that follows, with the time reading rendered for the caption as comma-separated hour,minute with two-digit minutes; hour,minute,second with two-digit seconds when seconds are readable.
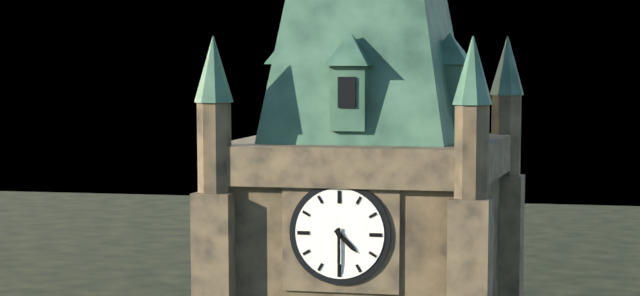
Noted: 4,30
